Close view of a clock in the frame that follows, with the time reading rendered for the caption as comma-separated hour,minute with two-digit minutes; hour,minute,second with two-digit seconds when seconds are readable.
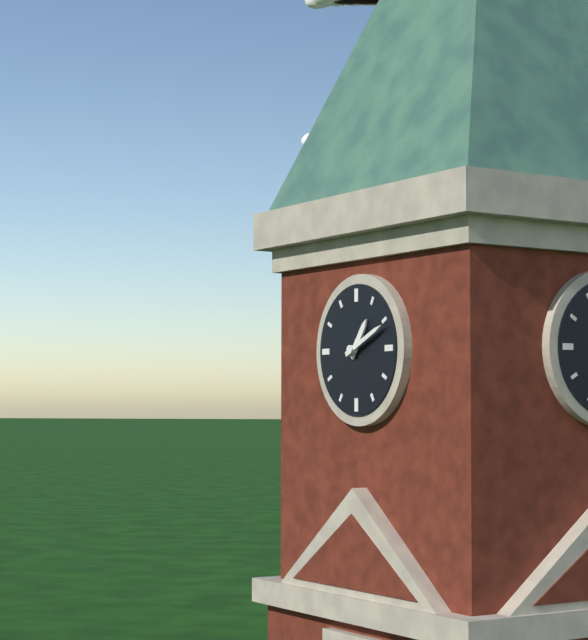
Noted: 1,11
